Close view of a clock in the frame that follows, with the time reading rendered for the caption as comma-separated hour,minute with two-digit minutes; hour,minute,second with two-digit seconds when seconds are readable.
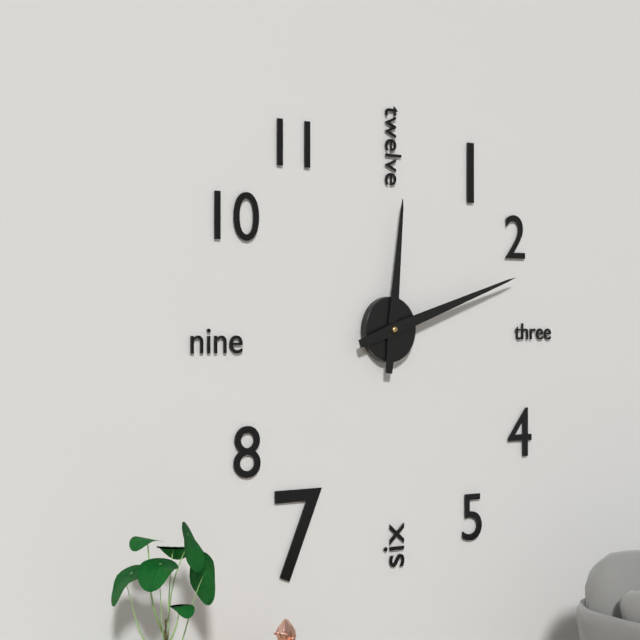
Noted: 12,12
